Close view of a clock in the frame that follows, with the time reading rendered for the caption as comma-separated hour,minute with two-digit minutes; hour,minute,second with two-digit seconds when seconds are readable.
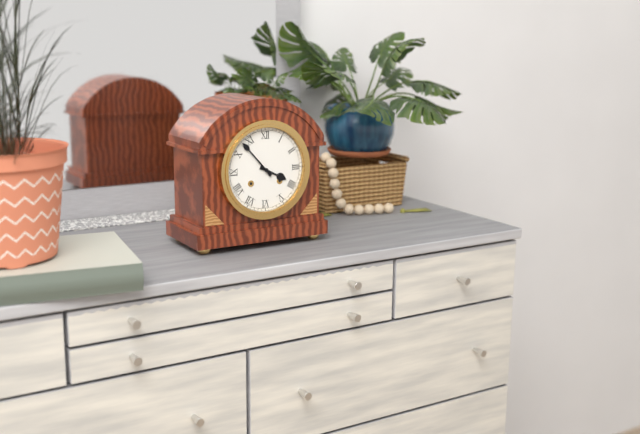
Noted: 3,53
